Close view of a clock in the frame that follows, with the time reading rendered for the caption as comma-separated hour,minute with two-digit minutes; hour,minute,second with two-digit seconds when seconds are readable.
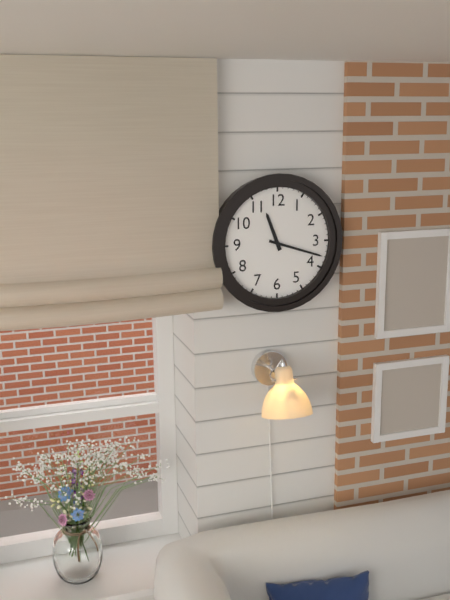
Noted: 11,18
